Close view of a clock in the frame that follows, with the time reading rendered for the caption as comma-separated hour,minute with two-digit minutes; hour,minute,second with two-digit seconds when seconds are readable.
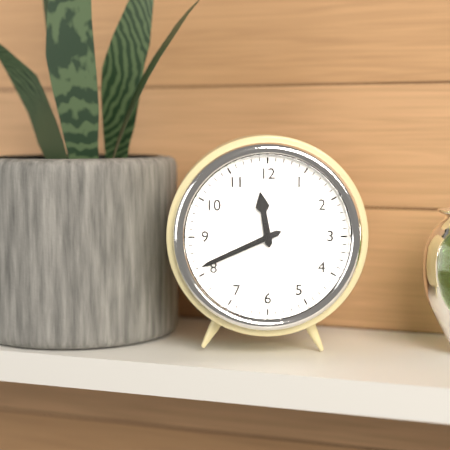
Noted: 11,41
